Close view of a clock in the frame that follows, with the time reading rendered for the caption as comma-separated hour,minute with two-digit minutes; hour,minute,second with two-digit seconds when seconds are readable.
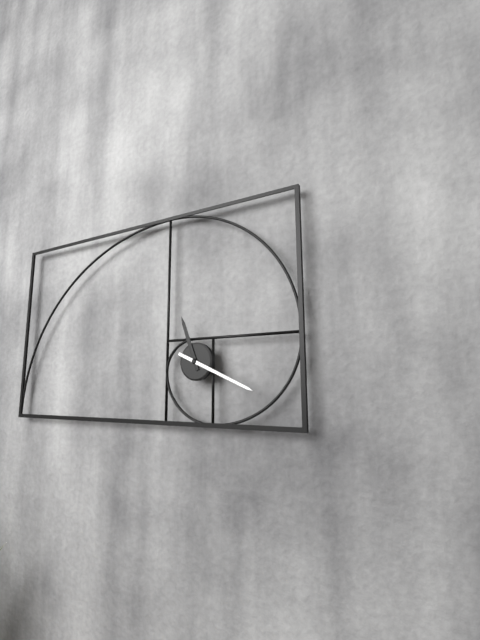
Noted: 11,19
